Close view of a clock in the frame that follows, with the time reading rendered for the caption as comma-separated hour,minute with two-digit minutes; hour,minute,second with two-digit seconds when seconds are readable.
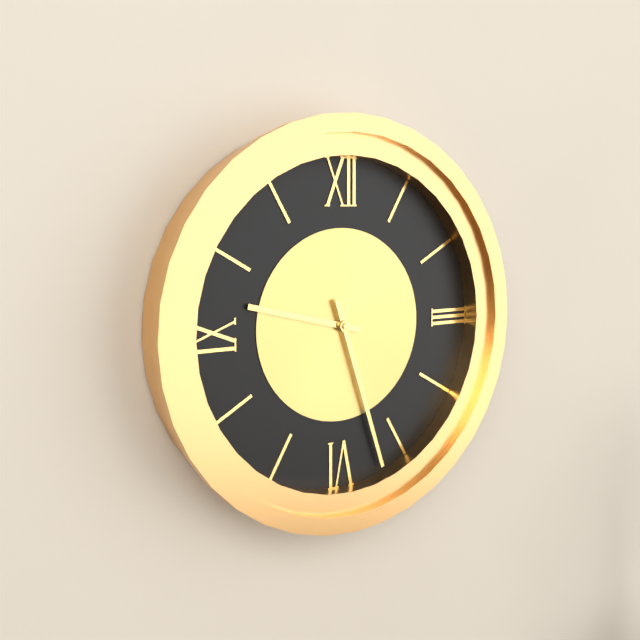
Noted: 9,27
